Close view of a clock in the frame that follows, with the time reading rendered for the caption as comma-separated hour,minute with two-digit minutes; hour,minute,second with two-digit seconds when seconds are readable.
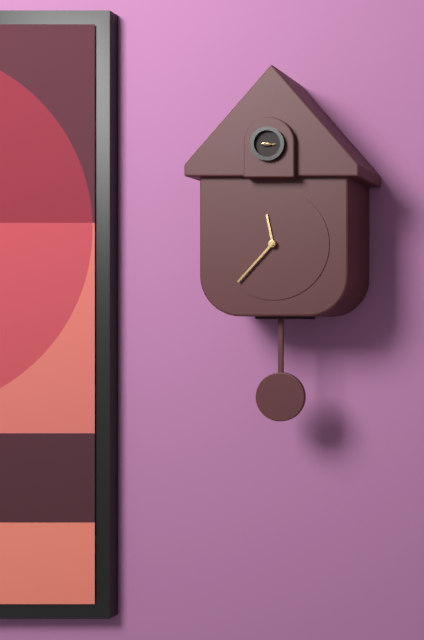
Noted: 11,37
